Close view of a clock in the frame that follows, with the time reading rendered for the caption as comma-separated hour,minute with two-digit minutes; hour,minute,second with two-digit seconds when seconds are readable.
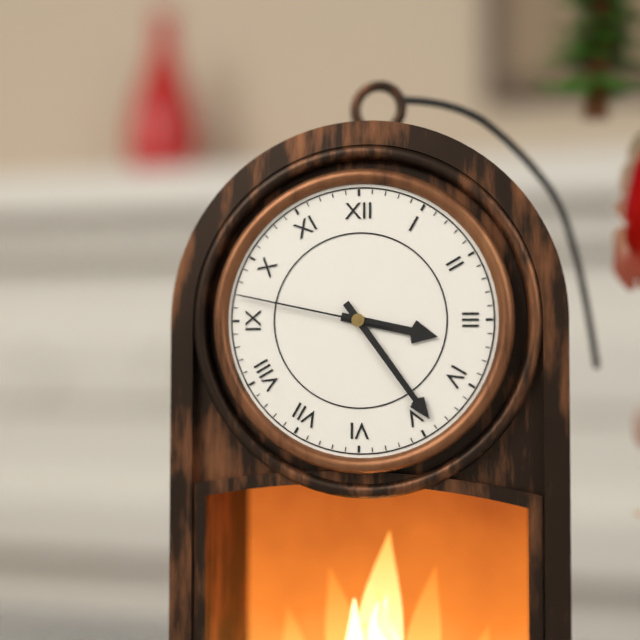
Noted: 3,24,47
